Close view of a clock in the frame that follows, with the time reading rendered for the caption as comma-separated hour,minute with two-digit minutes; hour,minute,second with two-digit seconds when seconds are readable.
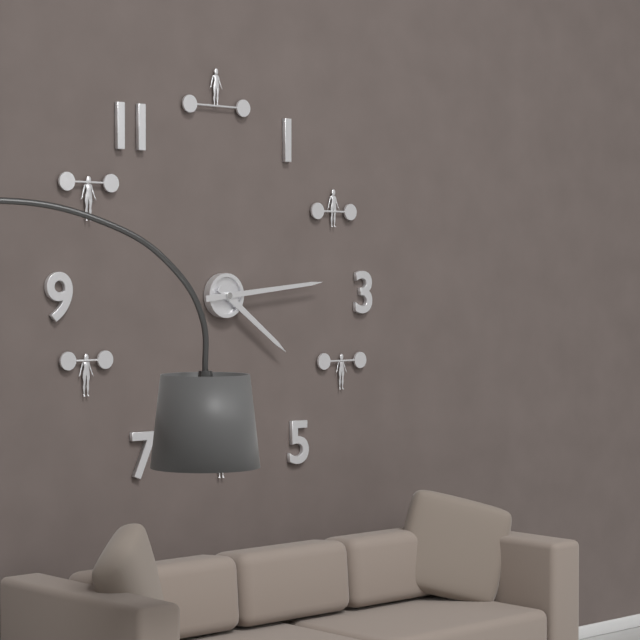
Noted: 4,14
